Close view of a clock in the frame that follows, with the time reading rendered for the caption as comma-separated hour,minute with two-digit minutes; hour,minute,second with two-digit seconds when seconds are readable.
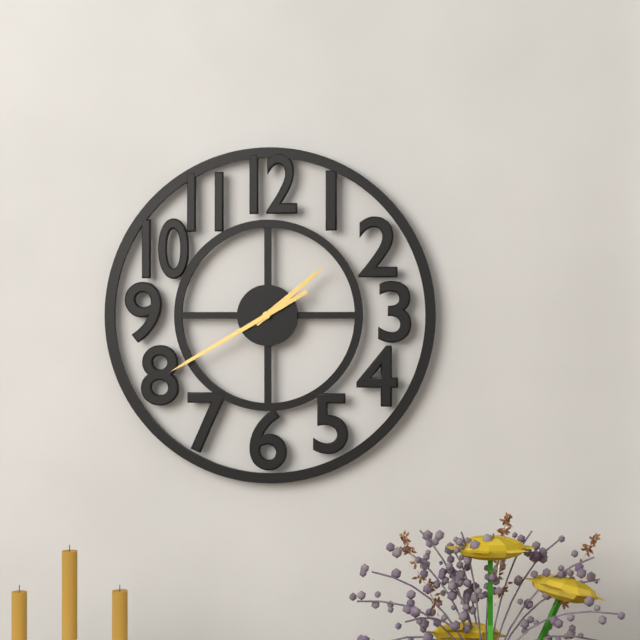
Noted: 1,40
